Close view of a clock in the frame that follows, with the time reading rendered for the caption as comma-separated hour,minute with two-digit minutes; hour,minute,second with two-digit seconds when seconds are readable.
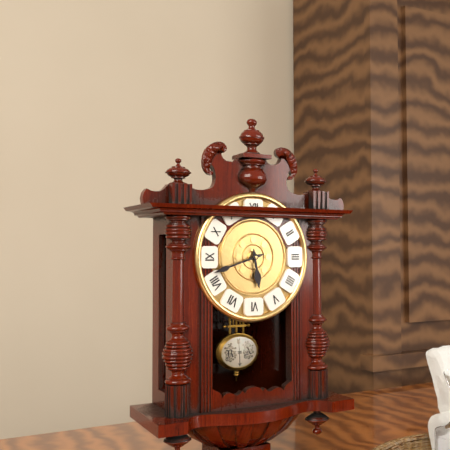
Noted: 5,42
